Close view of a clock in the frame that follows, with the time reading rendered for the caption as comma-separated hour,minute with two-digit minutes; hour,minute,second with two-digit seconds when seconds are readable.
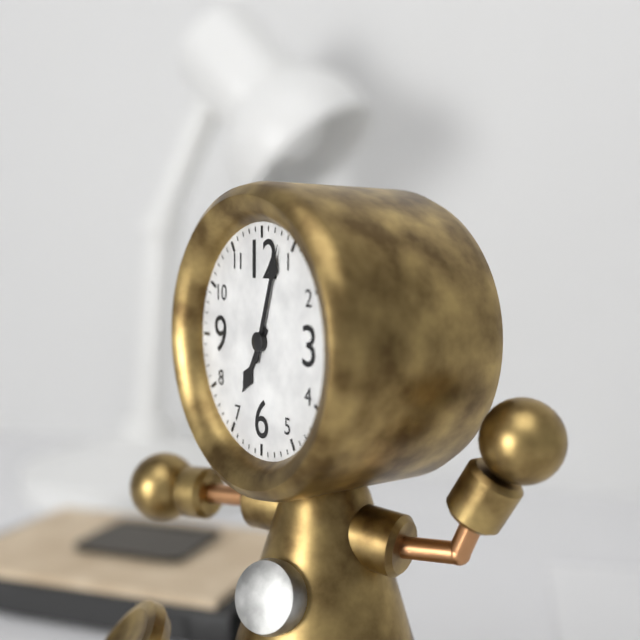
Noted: 7,03
